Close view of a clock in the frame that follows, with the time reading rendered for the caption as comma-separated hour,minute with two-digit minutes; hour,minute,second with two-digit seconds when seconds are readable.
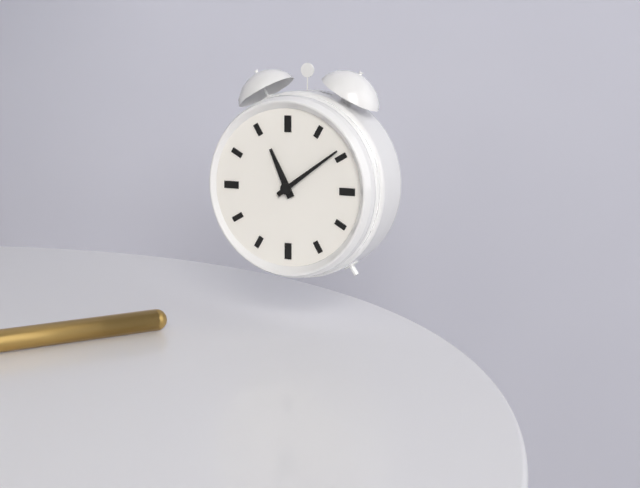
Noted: 11,09
